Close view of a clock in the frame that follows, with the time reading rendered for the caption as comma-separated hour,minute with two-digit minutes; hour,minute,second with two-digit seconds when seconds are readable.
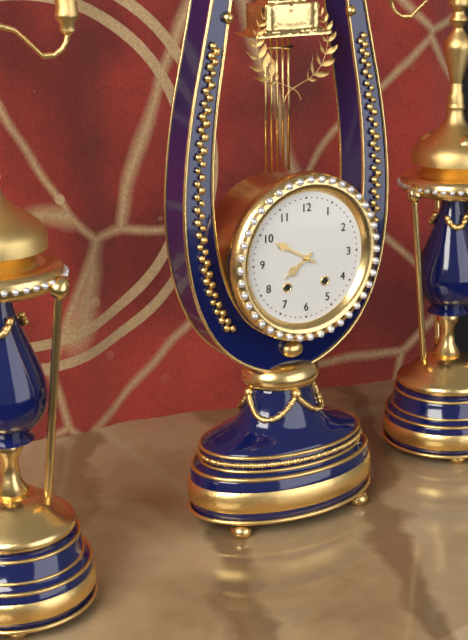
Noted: 7,50
